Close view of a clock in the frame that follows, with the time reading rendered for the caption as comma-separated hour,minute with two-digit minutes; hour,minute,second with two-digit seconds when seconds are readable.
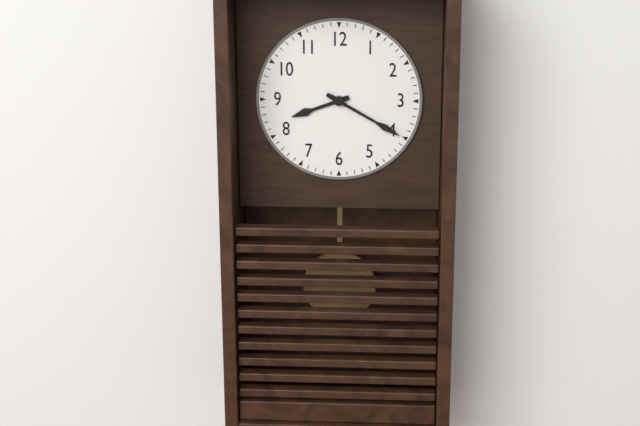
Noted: 8,20
